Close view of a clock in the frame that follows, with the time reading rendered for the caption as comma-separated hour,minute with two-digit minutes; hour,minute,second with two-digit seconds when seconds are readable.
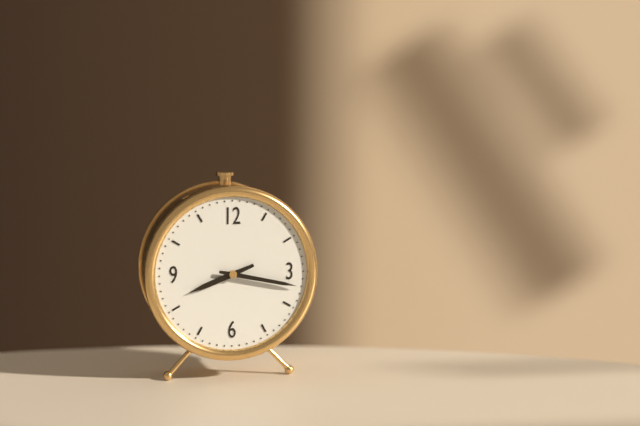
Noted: 8,17
